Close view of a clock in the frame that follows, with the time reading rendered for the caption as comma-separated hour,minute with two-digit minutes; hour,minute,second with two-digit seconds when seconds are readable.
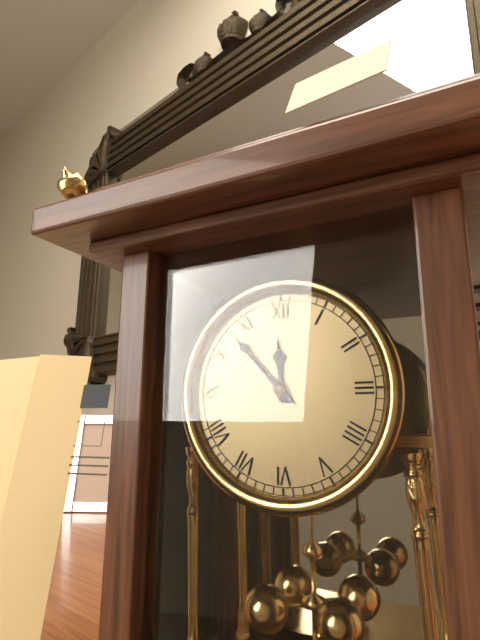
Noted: 11,53
